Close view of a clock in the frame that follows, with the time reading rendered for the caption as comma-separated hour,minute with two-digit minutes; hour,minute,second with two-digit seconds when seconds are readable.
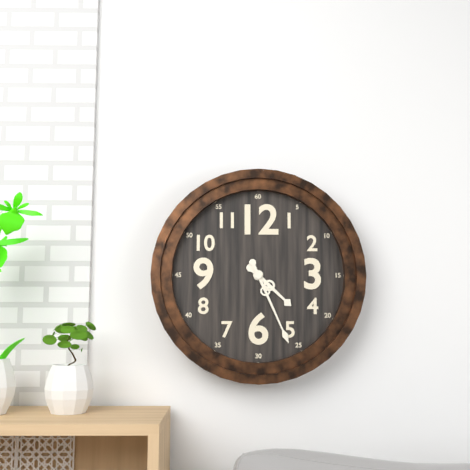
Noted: 4,26
